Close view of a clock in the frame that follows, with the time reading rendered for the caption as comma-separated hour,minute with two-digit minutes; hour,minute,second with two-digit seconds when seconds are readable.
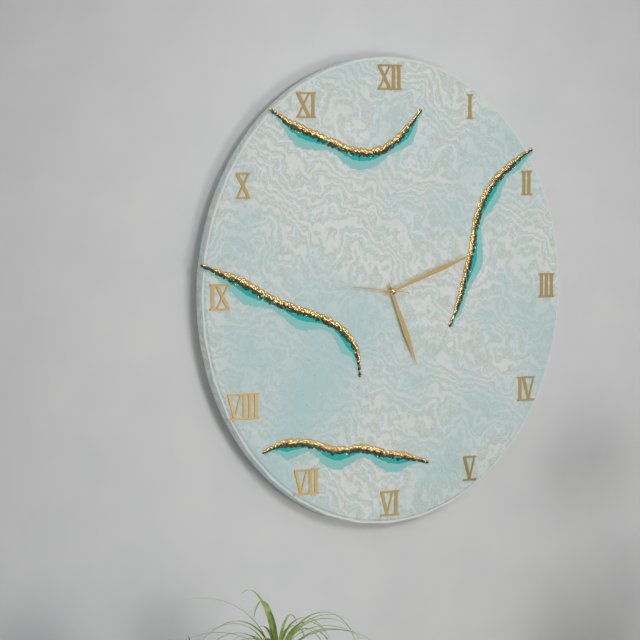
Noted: 5,12,46
